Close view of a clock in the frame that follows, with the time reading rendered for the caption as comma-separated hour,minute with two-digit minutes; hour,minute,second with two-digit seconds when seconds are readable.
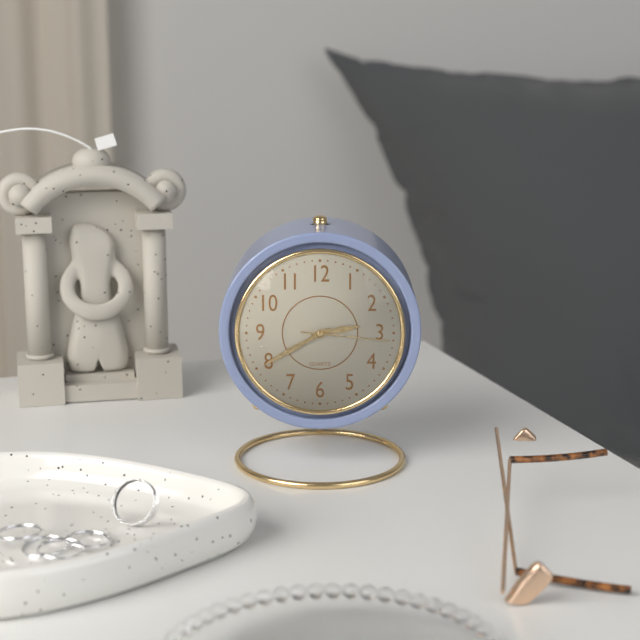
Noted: 2,40,16
